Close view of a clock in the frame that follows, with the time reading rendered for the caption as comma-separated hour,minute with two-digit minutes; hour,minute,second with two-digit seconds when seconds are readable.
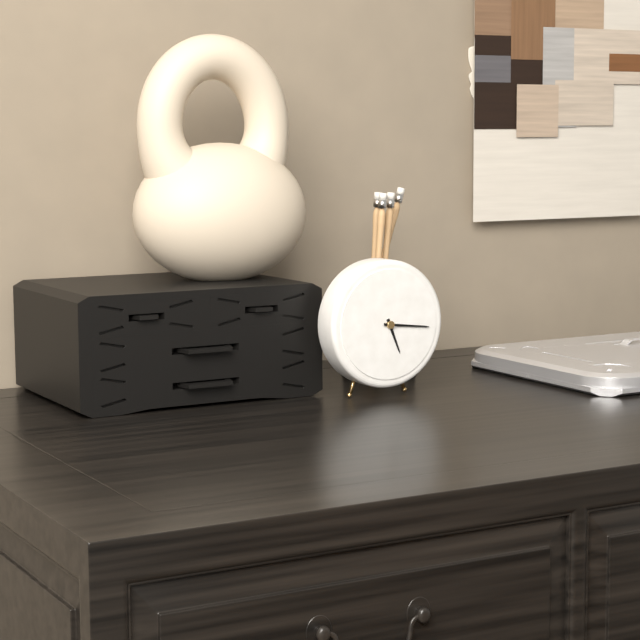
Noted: 5,16
